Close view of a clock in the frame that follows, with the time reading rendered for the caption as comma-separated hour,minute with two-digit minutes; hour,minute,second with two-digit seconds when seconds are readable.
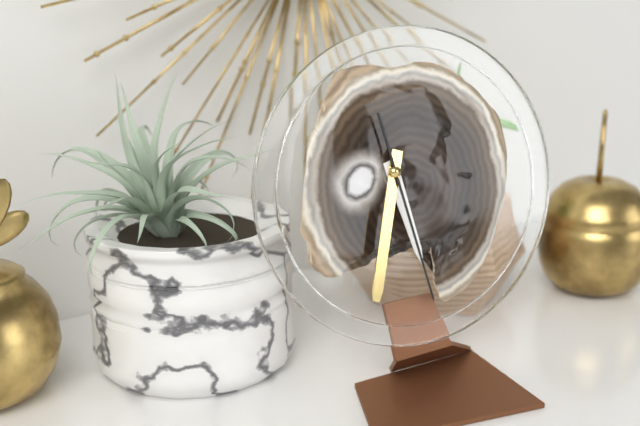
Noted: 5,33,28
